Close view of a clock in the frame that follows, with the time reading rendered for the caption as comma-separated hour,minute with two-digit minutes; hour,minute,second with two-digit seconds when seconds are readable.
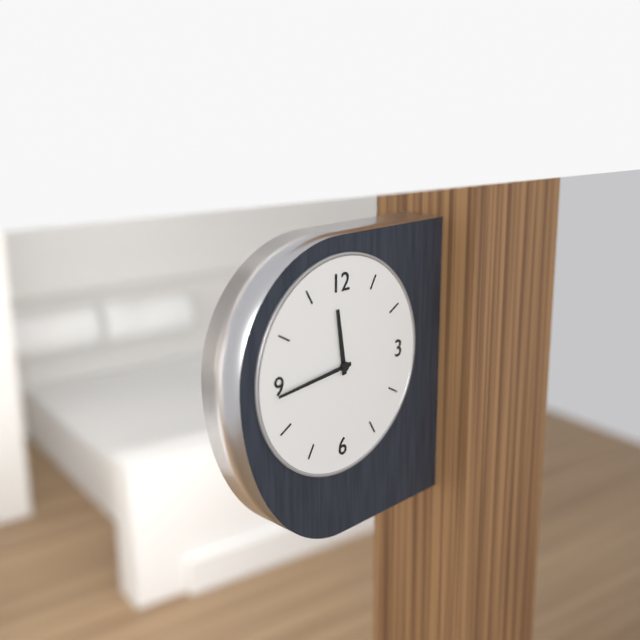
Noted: 11,44
